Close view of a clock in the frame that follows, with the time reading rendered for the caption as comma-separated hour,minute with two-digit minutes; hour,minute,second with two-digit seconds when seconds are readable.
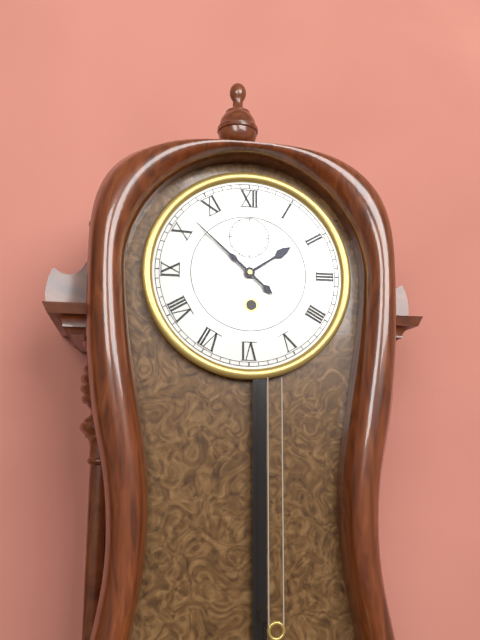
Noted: 1,52
